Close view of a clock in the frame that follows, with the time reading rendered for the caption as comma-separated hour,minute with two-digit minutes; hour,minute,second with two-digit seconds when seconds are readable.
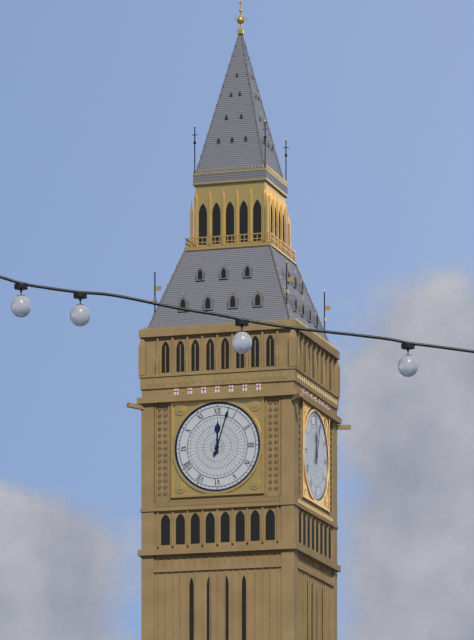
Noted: 12,03
